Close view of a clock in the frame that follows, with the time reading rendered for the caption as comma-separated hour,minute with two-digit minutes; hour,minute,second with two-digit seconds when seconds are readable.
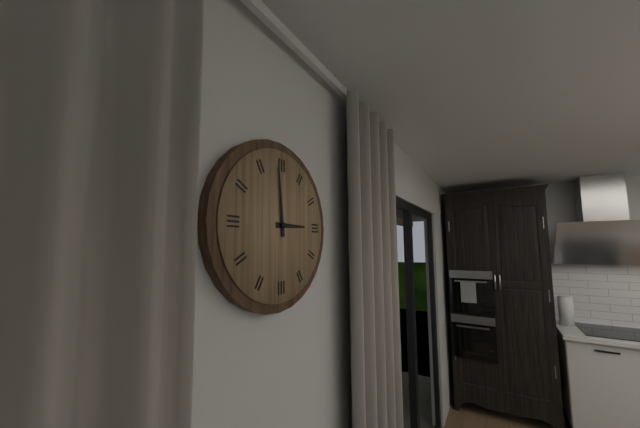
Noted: 2,59
